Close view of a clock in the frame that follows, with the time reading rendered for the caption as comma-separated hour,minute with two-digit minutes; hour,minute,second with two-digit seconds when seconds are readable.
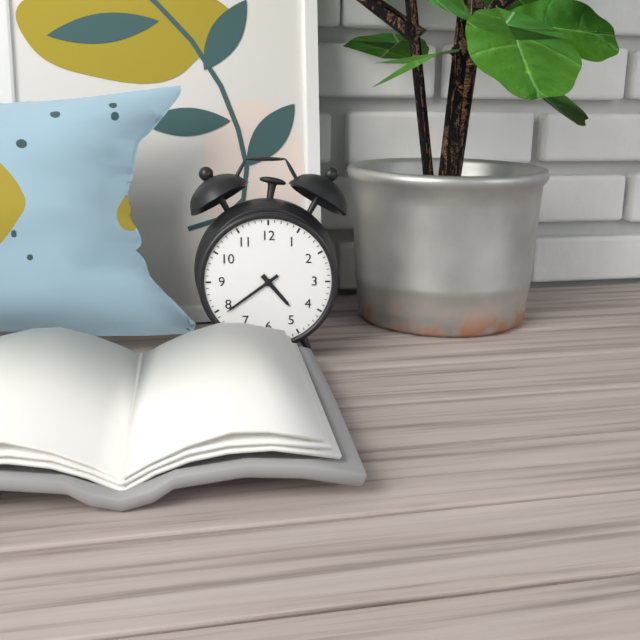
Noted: 4,39
